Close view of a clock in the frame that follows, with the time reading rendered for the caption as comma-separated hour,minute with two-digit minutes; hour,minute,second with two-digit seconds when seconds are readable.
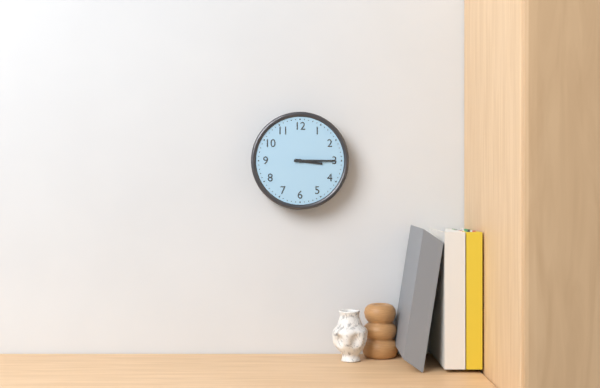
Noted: 3,15
